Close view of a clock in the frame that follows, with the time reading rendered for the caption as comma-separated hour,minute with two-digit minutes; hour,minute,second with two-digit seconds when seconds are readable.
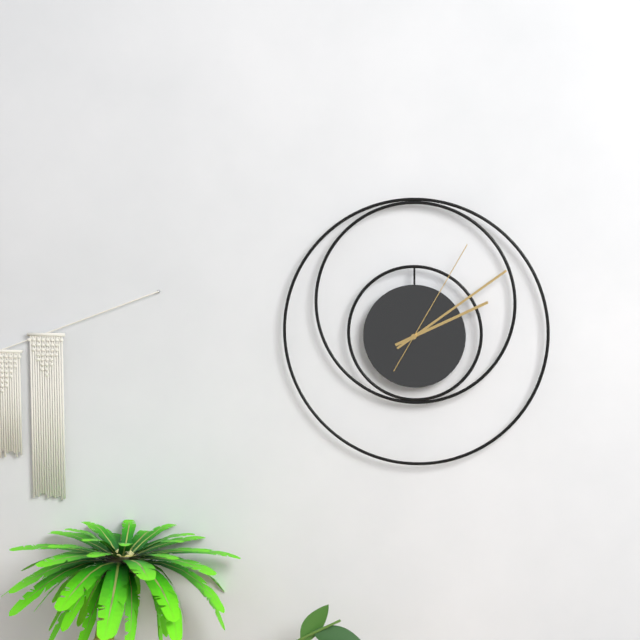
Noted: 2,09,05
